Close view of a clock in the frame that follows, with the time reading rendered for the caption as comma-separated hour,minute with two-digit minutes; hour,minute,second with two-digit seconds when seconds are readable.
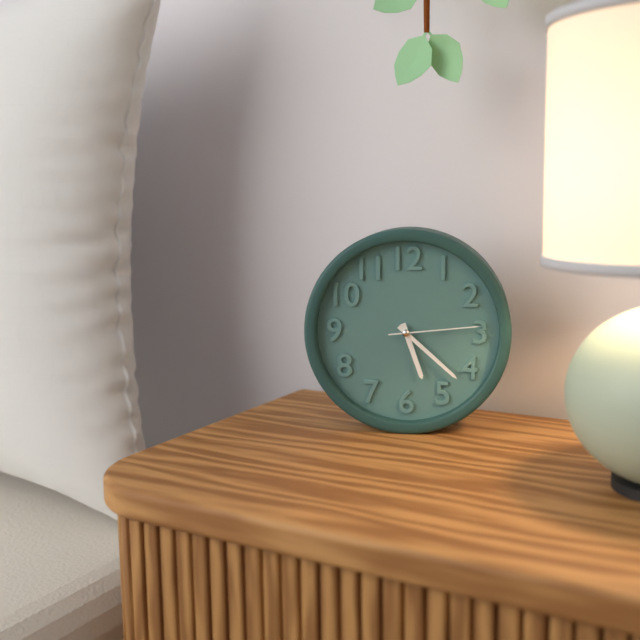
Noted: 5,22,14
